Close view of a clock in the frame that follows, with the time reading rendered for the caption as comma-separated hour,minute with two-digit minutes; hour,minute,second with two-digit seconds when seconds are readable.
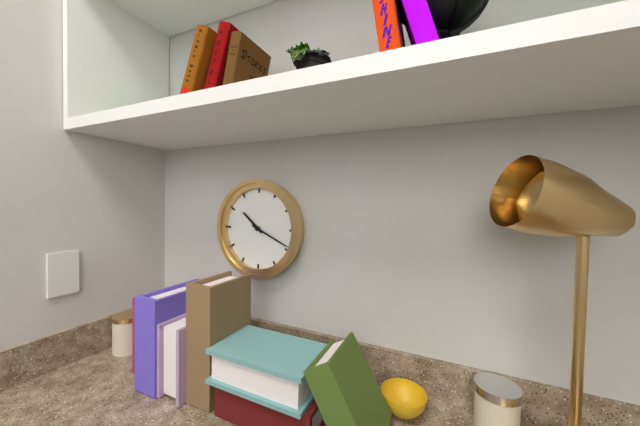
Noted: 10,19
